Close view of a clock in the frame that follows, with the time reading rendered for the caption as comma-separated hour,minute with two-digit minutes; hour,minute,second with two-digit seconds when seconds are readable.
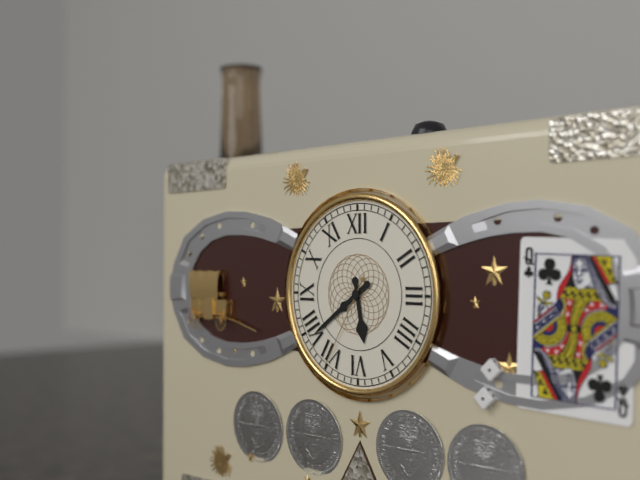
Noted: 5,39,35
